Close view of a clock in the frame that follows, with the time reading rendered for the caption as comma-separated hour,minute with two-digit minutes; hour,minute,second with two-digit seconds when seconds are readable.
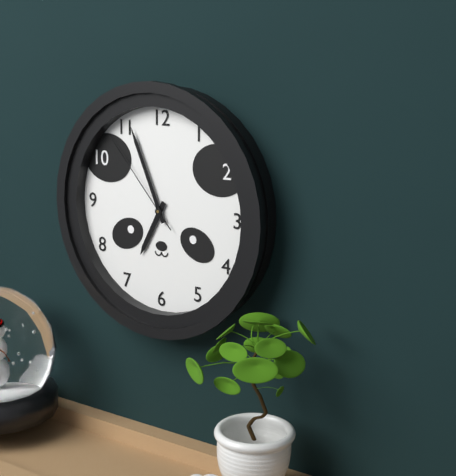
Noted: 6,56,53
